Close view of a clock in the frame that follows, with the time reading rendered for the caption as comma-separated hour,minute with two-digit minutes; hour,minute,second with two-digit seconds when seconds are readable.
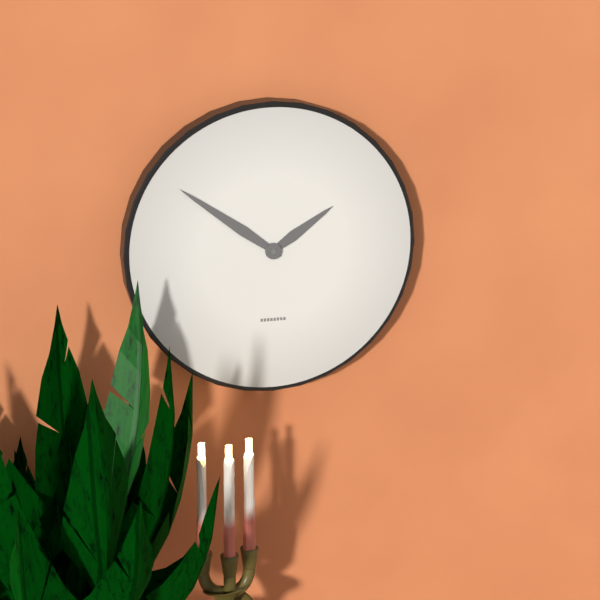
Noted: 1,51
